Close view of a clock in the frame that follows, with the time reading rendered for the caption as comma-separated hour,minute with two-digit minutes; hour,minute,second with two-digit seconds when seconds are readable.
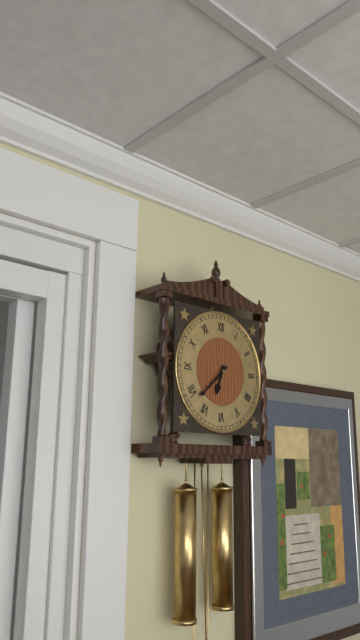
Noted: 6,38
